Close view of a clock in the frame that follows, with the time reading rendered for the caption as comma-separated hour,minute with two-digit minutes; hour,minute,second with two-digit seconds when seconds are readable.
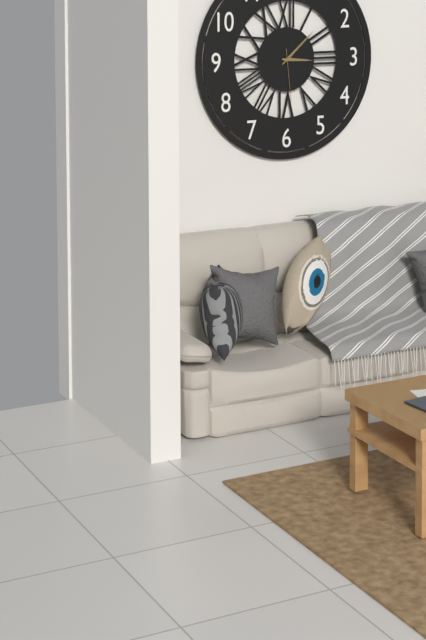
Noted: 3,08,29
